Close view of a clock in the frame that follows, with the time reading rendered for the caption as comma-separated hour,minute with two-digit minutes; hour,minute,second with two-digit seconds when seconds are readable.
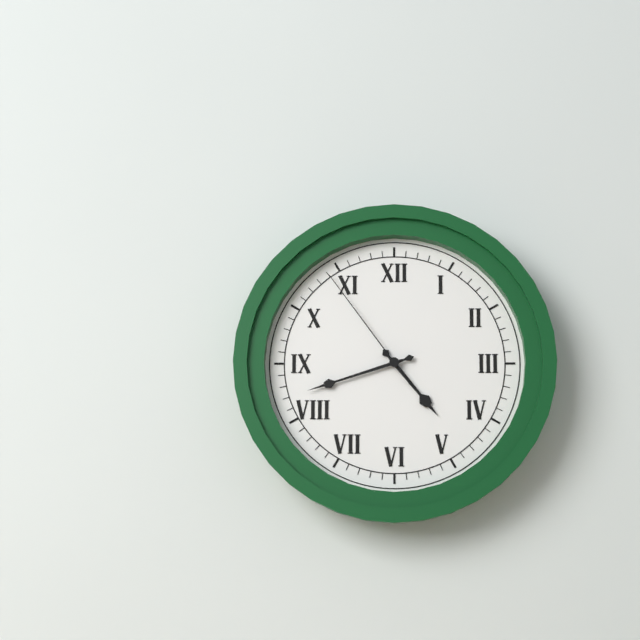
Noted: 4,42,54
